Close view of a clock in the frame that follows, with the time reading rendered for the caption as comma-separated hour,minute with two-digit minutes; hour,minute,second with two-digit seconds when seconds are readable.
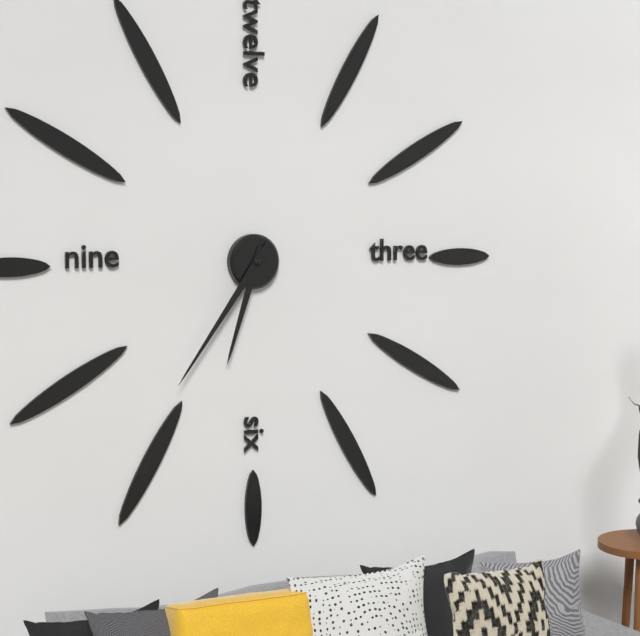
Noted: 6,36
